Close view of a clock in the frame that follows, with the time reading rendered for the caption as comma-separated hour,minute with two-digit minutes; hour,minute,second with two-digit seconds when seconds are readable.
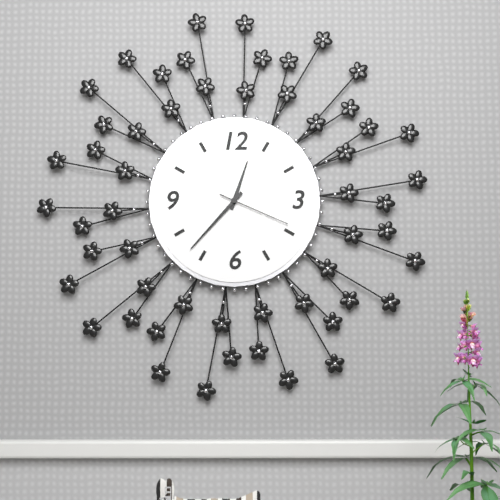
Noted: 12,37,19
